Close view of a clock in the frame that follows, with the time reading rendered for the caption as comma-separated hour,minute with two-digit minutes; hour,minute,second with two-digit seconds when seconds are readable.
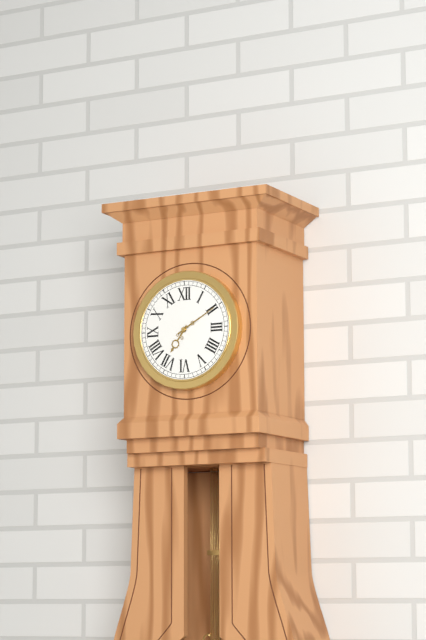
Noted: 7,10
